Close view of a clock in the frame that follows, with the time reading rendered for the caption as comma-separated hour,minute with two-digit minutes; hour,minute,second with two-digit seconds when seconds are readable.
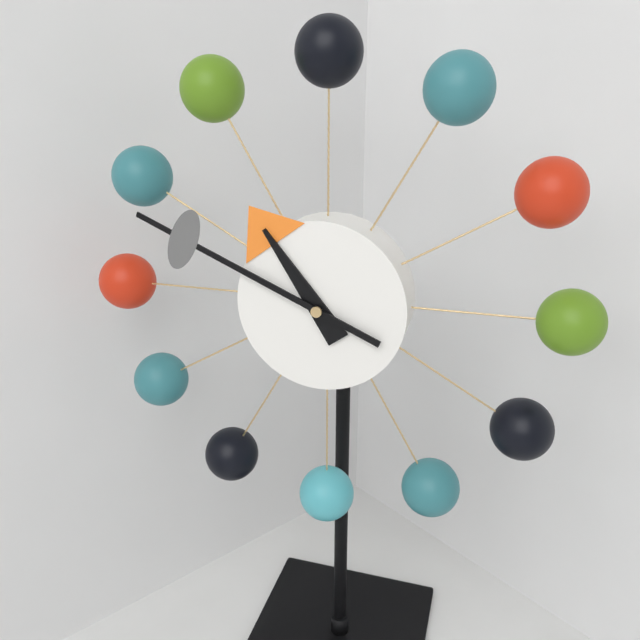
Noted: 10,49
